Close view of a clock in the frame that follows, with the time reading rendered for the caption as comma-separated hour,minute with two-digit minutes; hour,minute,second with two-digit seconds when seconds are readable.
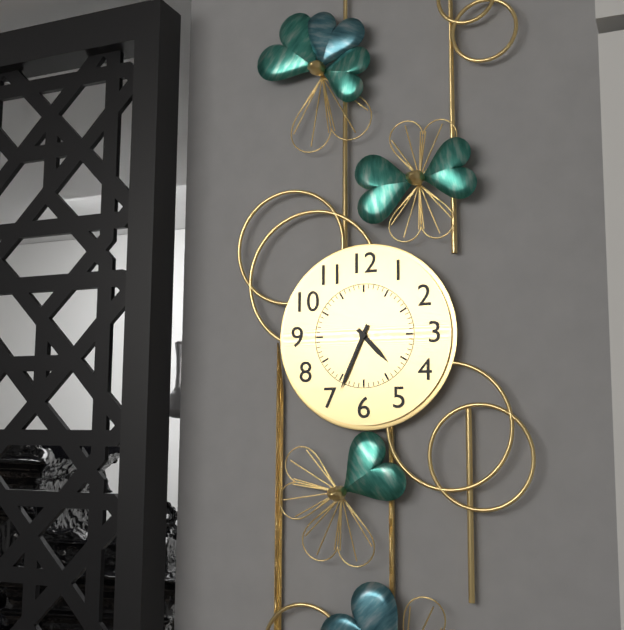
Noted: 4,34
